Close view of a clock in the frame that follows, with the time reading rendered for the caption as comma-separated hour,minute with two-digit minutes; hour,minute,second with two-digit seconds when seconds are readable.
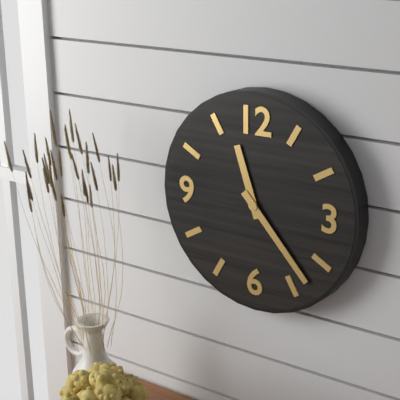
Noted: 11,23
